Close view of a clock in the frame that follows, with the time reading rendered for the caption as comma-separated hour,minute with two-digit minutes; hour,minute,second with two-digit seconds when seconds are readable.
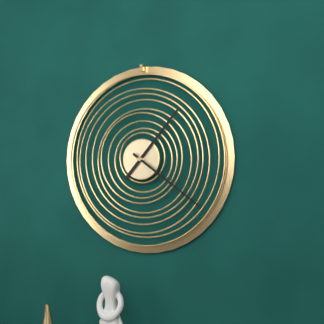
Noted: 1,21
